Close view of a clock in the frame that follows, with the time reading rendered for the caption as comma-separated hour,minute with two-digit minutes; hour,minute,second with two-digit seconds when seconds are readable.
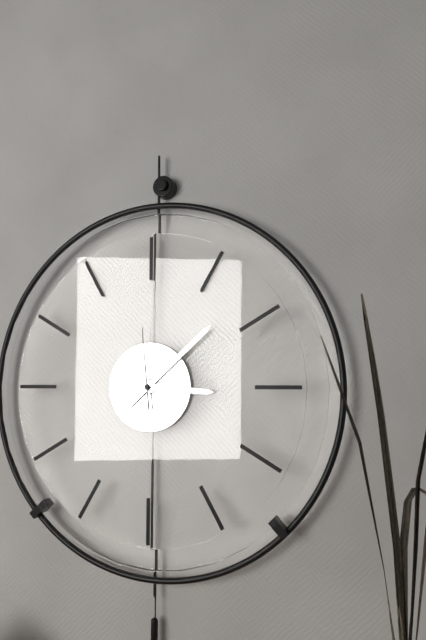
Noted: 3,08,59
